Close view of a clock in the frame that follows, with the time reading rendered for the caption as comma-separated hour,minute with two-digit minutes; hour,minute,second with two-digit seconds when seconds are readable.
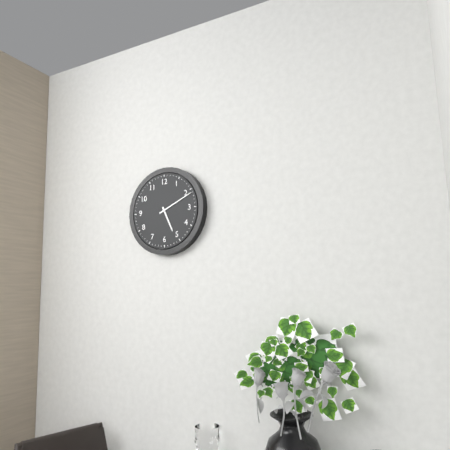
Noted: 5,11
